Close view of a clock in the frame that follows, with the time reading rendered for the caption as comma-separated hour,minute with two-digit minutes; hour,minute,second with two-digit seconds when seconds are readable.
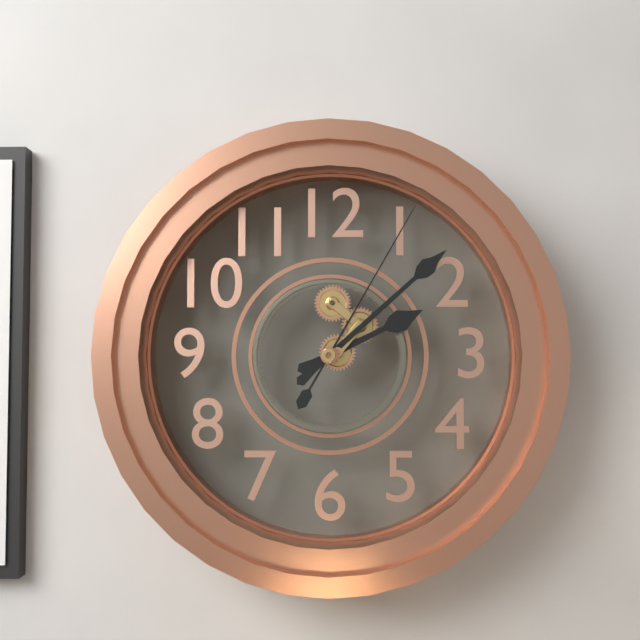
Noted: 2,08,05
